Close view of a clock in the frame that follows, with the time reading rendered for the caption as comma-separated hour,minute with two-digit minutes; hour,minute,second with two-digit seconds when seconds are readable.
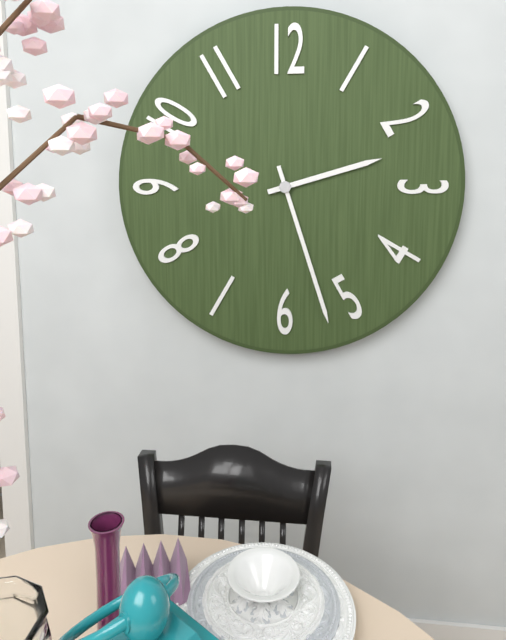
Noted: 2,27
